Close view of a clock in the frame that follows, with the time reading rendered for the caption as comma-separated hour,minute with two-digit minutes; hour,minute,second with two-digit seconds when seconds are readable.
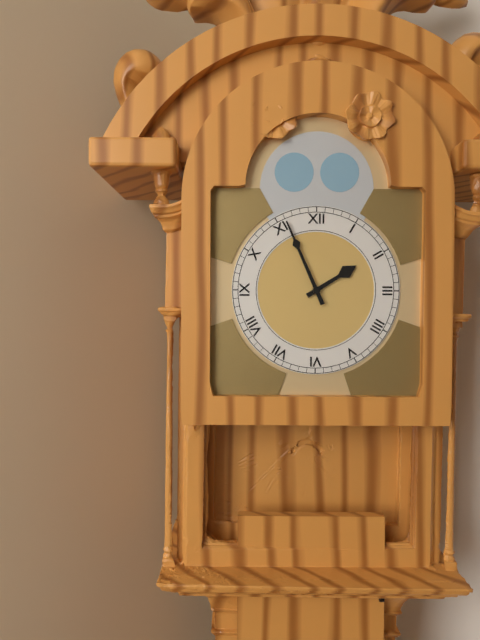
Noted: 1,56
